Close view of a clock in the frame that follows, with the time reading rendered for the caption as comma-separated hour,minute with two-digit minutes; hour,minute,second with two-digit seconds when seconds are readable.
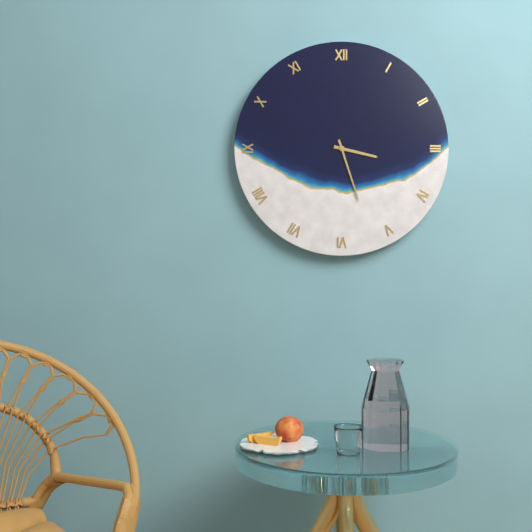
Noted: 3,27
